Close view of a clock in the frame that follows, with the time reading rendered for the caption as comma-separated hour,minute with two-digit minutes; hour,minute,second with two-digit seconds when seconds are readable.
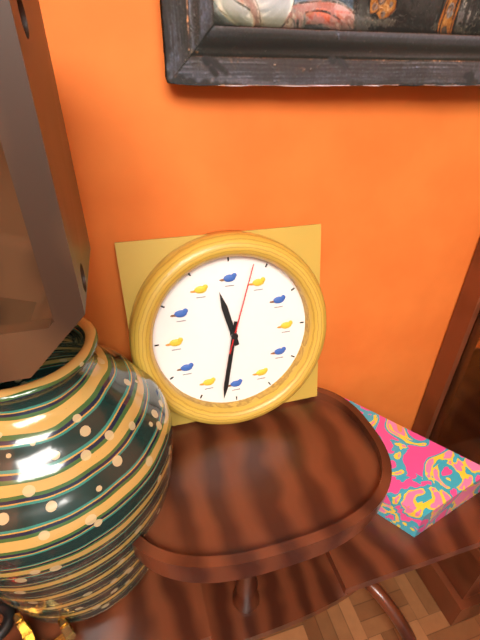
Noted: 11,32,03
